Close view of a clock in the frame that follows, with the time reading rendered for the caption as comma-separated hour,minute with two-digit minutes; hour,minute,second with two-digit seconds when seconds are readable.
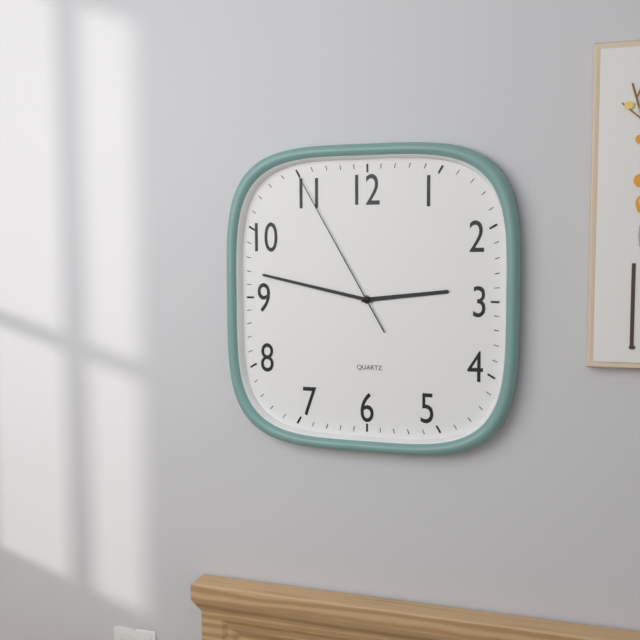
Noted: 2,47,55
